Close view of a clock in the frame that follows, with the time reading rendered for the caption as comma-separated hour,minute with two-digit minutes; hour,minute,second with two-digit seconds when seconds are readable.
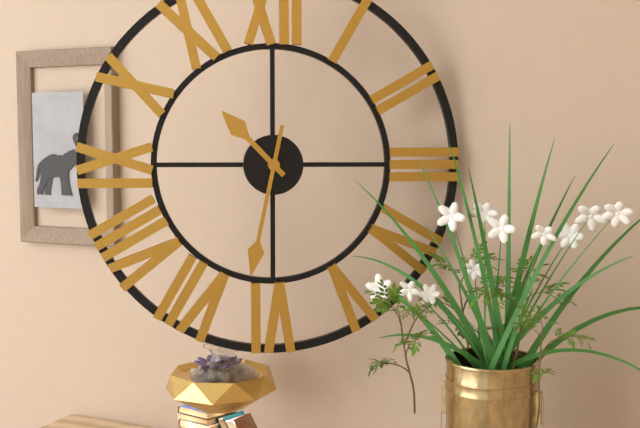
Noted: 10,32
